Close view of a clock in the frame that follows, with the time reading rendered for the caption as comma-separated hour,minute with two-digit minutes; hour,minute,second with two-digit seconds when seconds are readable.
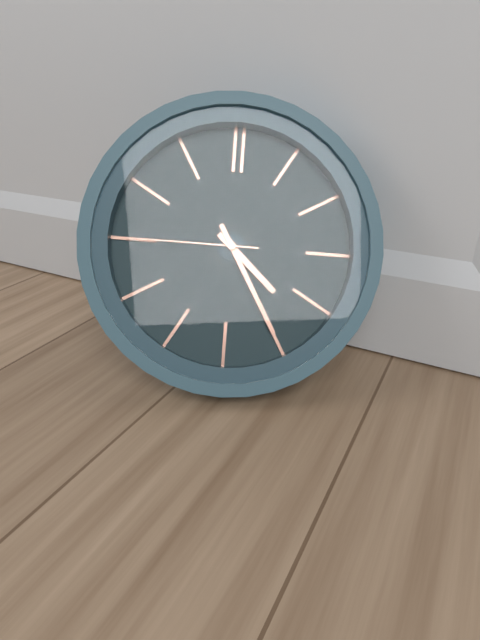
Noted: 4,25,45
